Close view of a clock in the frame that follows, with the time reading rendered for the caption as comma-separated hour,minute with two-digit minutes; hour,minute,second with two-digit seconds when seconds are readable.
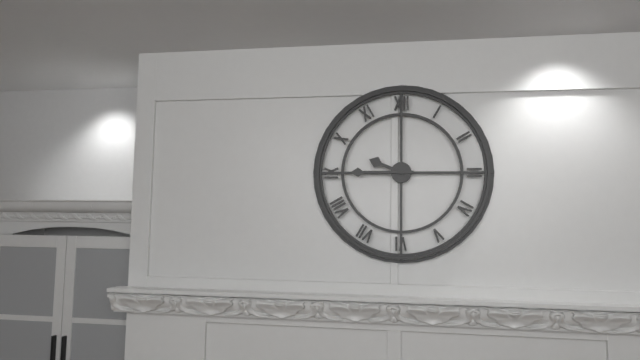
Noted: 9,45
